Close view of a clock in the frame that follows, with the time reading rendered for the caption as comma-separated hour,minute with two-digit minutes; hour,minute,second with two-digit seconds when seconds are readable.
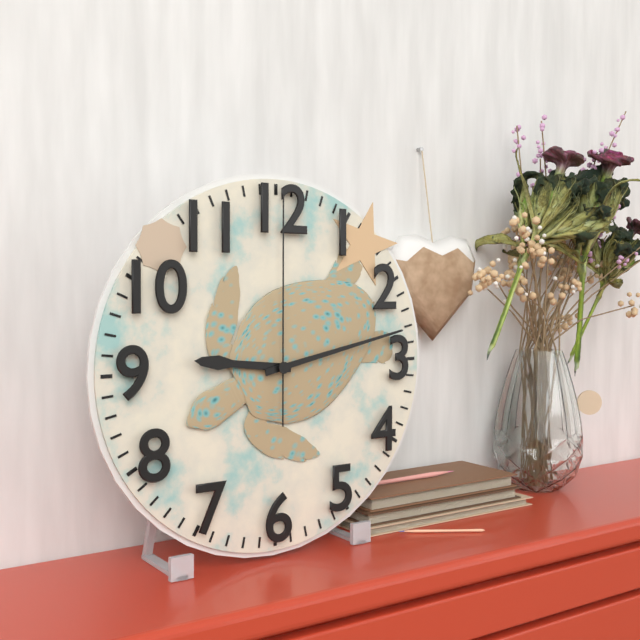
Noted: 9,13,00
